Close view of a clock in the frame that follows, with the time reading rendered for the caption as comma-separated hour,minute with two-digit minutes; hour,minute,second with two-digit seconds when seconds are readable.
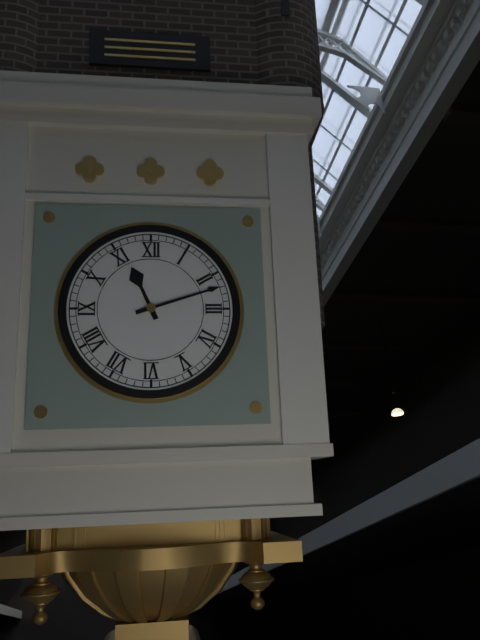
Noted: 11,12
